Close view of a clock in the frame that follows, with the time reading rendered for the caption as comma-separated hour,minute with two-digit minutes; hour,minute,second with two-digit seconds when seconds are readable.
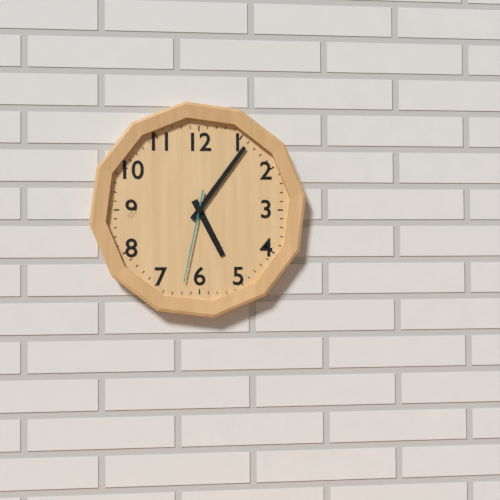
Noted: 5,06,32
